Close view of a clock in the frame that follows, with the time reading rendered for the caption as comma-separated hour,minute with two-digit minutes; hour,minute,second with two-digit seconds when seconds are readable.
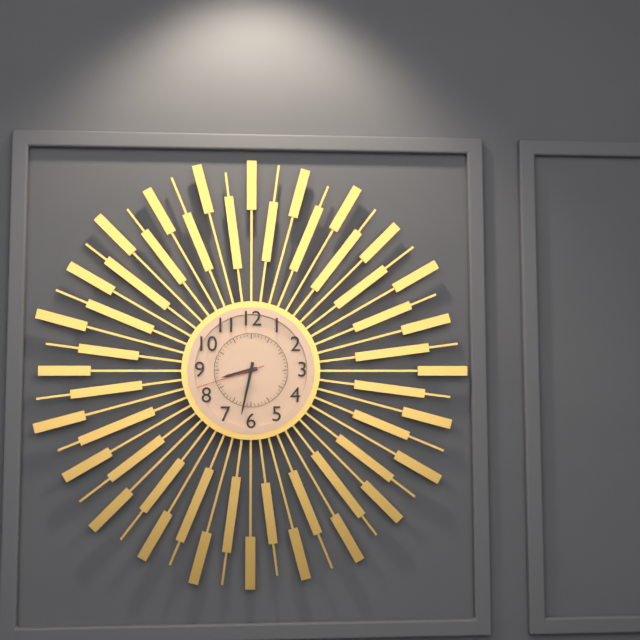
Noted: 8,32,42
